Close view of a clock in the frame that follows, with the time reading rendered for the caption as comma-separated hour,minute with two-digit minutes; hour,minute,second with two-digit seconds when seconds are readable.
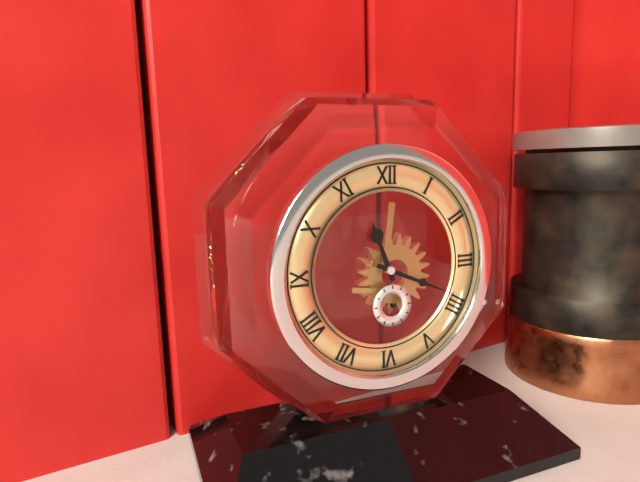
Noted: 11,19
